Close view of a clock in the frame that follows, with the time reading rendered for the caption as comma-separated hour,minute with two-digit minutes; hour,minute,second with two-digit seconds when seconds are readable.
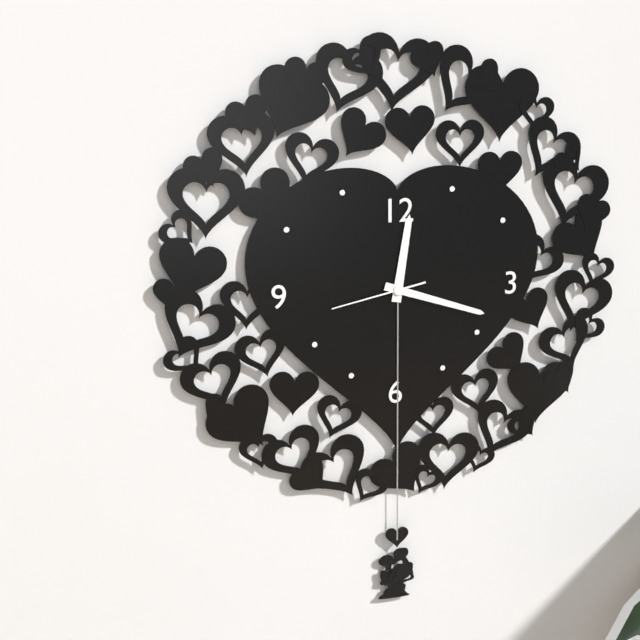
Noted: 12,18,43
